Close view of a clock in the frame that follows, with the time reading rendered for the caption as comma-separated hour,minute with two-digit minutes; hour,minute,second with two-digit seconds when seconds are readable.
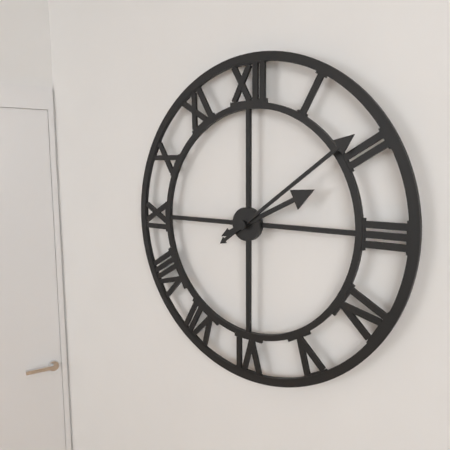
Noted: 2,09
